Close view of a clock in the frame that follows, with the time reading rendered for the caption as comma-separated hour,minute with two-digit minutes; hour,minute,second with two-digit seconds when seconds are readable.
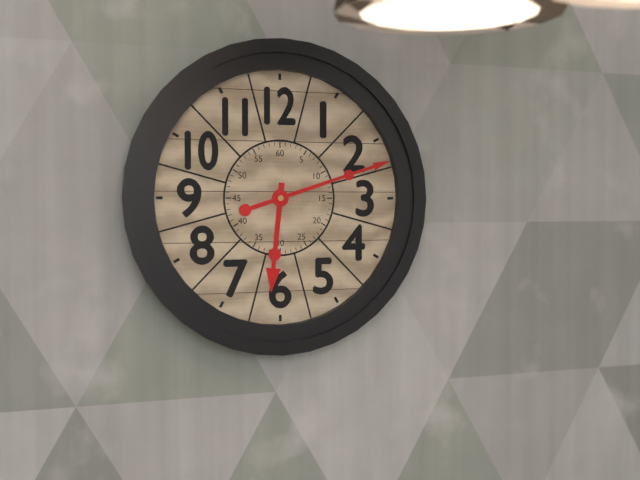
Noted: 6,12
